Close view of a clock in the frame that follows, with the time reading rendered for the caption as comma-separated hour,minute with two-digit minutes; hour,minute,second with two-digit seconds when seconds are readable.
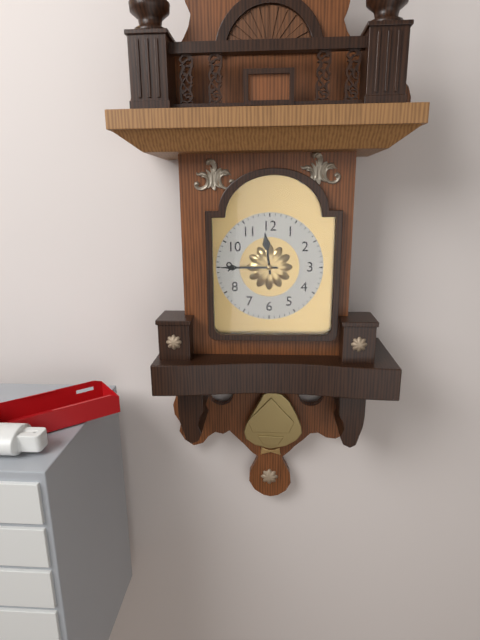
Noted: 11,45
